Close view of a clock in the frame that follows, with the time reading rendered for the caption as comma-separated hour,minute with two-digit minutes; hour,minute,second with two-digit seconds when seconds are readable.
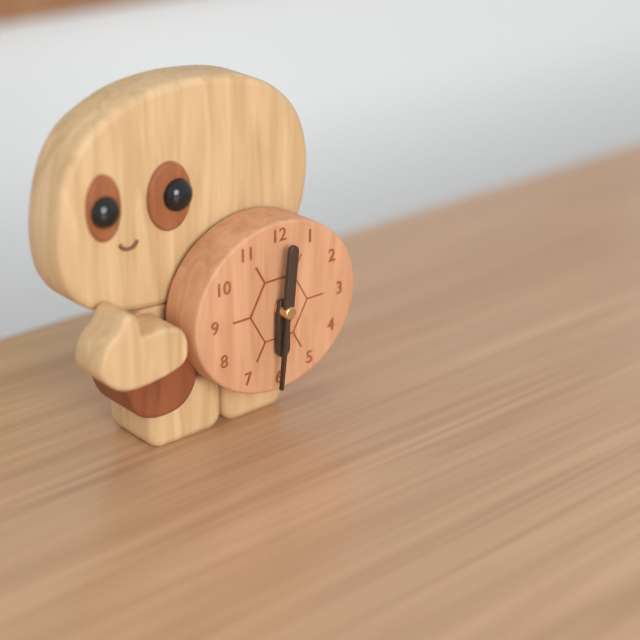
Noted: 6,01
